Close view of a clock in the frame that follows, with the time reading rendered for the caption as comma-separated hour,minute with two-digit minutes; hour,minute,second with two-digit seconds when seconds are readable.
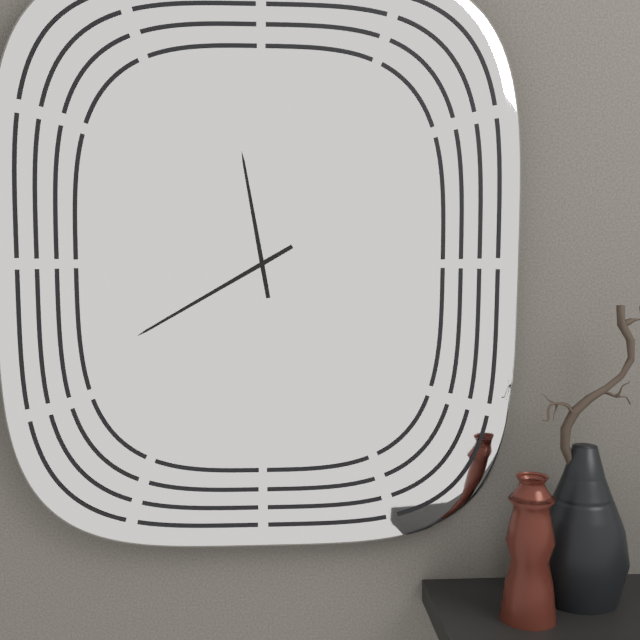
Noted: 11,40
